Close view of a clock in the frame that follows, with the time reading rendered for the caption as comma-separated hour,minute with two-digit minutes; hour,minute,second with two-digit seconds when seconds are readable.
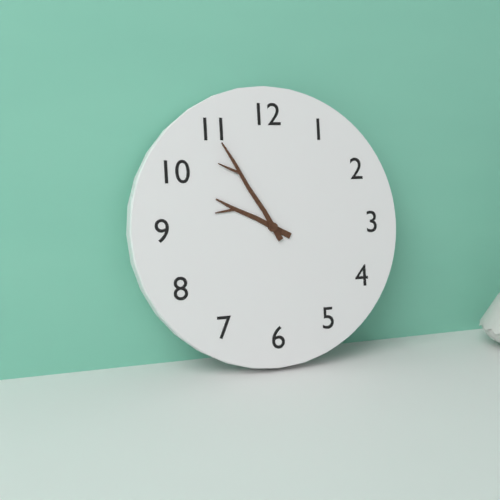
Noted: 9,55
